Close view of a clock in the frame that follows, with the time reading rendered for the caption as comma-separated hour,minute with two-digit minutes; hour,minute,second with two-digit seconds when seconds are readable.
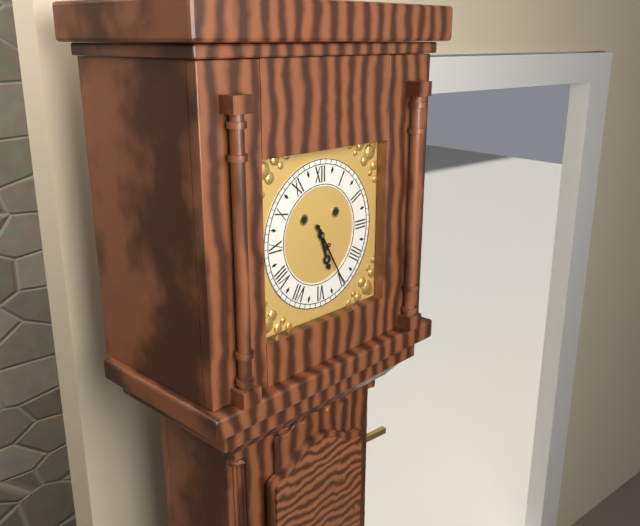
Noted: 5,25
